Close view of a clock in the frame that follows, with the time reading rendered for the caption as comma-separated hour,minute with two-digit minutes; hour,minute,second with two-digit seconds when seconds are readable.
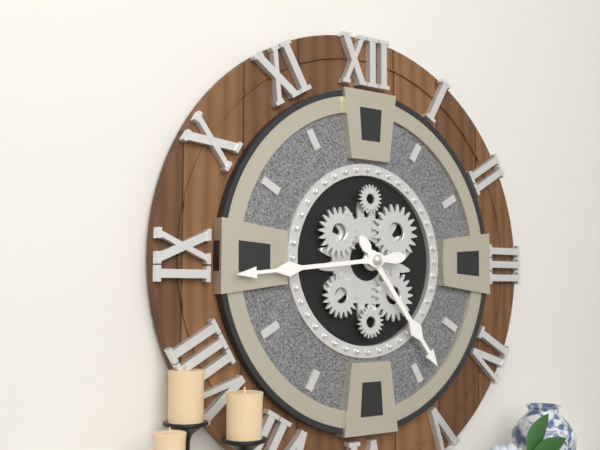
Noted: 4,44
